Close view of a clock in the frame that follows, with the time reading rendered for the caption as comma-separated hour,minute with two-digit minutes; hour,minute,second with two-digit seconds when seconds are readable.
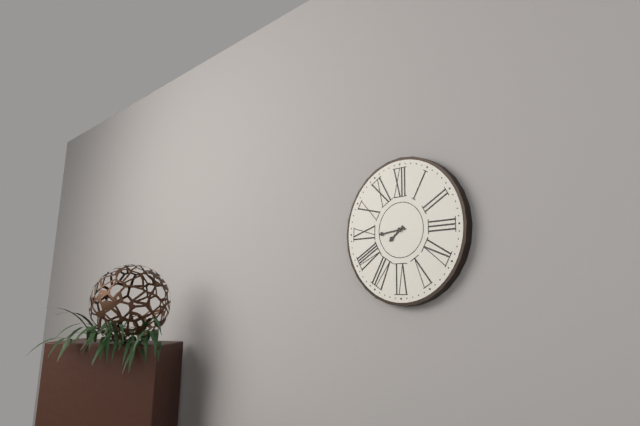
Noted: 7,44
